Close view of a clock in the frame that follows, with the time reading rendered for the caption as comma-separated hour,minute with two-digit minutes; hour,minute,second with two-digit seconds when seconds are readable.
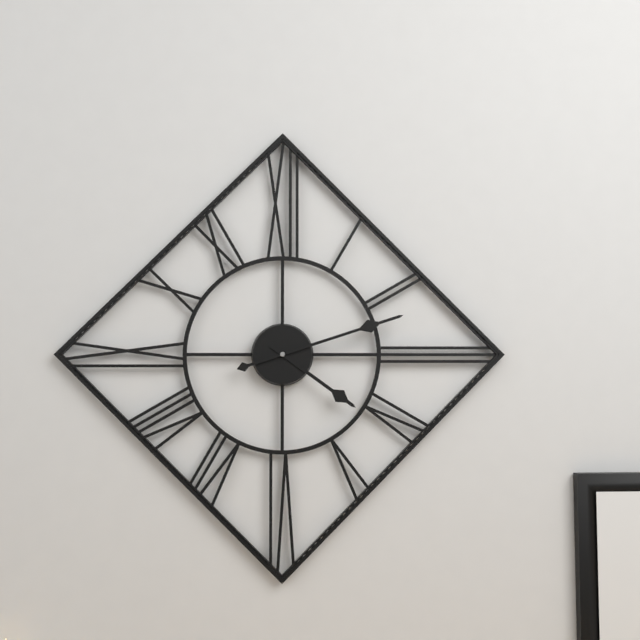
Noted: 4,12
